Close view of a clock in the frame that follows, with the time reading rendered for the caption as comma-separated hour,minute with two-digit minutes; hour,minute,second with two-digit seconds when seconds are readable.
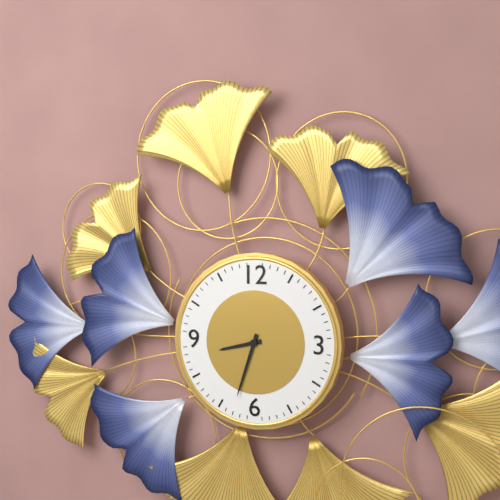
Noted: 8,33
